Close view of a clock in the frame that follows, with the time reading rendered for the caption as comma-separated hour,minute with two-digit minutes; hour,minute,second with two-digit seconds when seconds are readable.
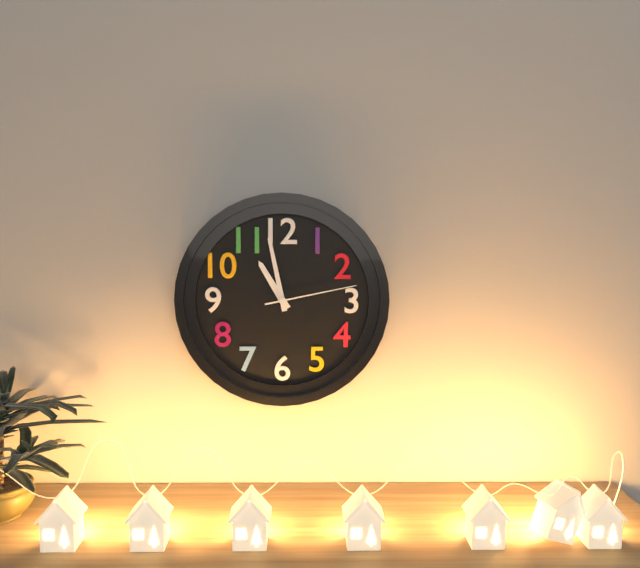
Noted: 10,58,13
